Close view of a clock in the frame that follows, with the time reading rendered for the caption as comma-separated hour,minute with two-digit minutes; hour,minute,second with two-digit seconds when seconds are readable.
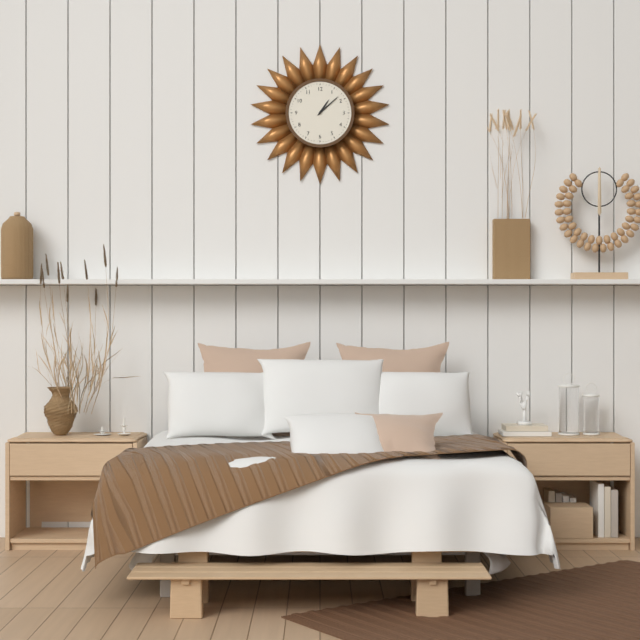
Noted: 1,08
